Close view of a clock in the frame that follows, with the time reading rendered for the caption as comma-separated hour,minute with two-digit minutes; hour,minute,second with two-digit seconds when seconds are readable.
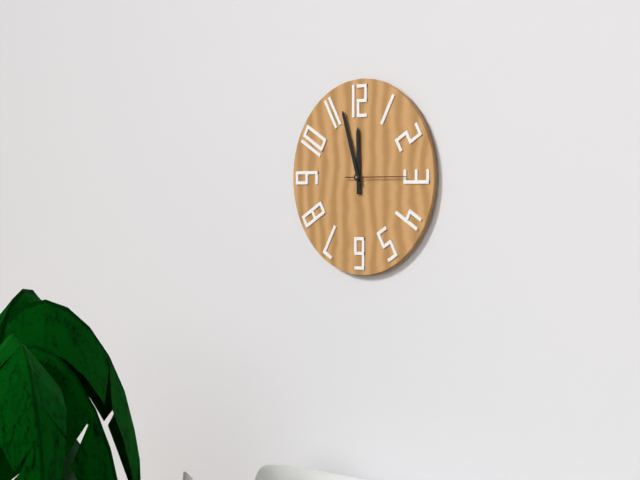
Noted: 11,57,15
